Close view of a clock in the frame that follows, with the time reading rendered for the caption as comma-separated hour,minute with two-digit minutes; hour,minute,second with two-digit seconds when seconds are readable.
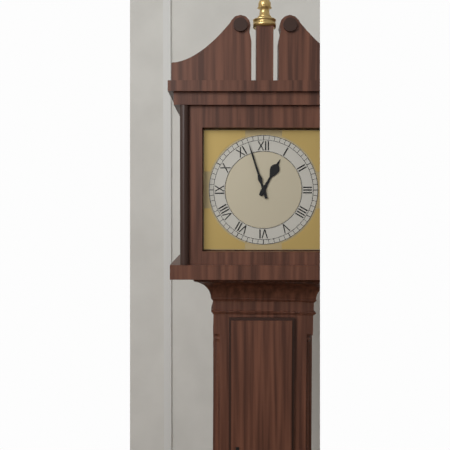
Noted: 12,57
